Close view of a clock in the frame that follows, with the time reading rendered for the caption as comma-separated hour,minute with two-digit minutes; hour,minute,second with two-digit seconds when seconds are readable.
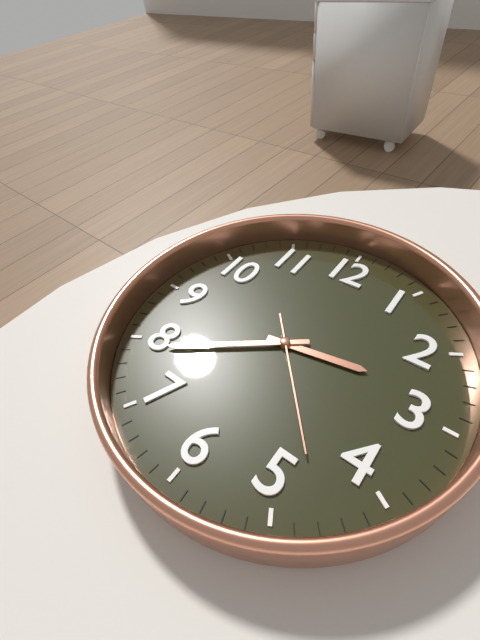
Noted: 2,39,23
